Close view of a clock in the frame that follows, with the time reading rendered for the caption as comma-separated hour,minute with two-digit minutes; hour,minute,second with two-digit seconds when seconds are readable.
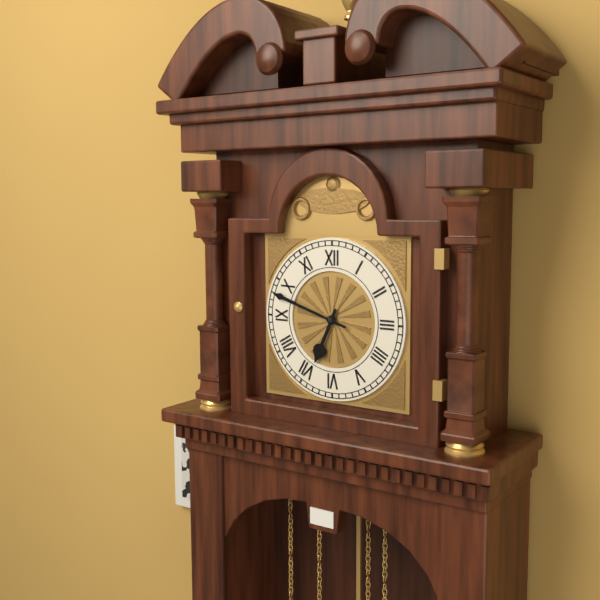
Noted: 6,48
